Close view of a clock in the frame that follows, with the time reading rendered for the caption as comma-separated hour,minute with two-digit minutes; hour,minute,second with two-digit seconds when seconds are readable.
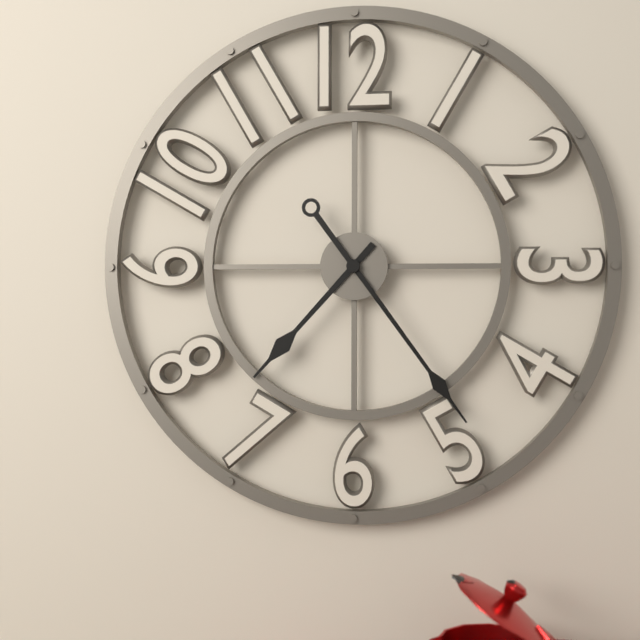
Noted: 7,24
